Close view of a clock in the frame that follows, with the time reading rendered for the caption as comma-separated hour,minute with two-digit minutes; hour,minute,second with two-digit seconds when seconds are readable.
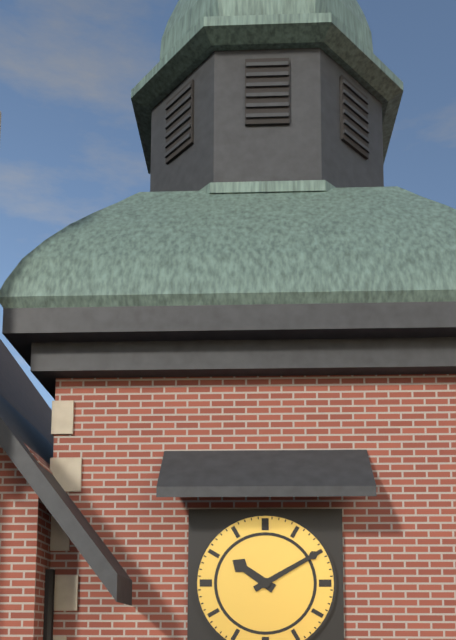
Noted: 10,10
